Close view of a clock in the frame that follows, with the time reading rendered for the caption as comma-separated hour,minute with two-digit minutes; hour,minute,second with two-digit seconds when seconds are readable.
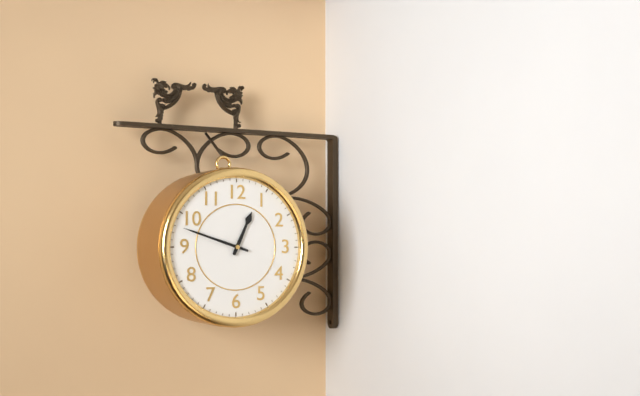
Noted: 12,48
